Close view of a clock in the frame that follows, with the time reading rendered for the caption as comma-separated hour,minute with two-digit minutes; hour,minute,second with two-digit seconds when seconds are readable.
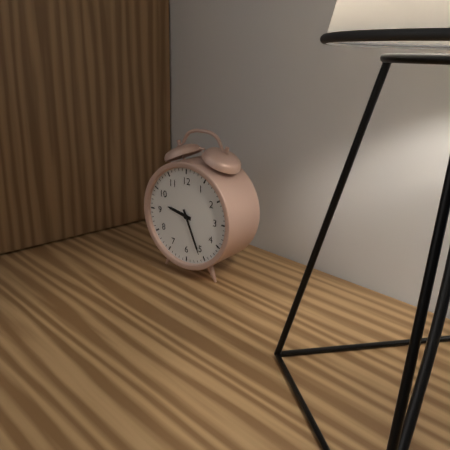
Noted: 9,26
